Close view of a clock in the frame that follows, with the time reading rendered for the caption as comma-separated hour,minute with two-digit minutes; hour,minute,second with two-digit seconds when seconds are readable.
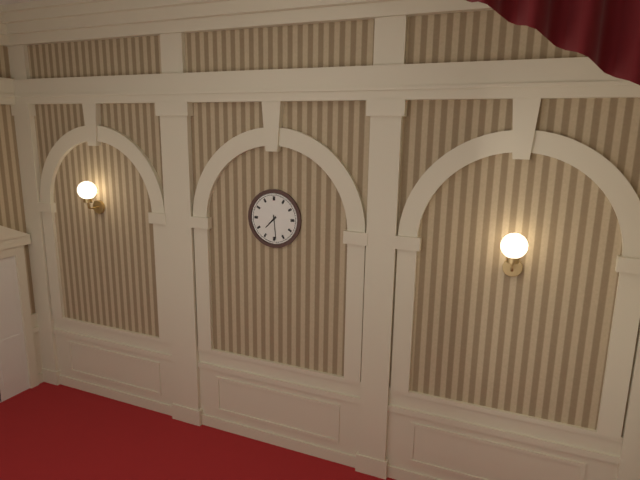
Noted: 7,29
